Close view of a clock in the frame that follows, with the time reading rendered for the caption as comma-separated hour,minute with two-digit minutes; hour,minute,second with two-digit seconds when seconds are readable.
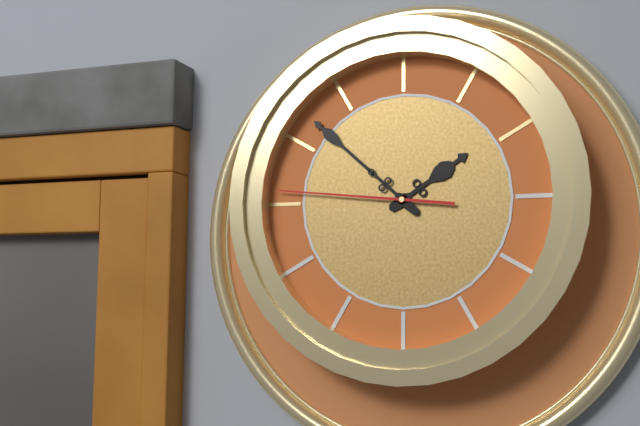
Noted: 1,52,46
